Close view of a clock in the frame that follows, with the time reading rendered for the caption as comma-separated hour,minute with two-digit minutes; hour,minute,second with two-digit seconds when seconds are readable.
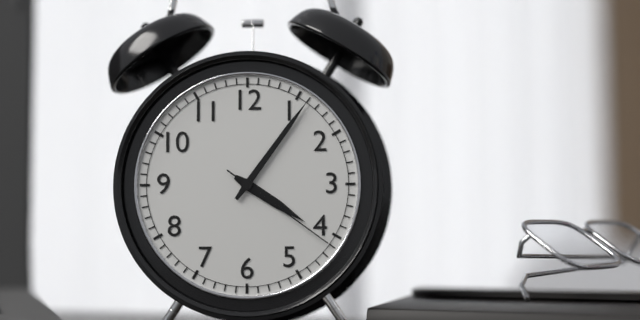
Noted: 4,06,21
